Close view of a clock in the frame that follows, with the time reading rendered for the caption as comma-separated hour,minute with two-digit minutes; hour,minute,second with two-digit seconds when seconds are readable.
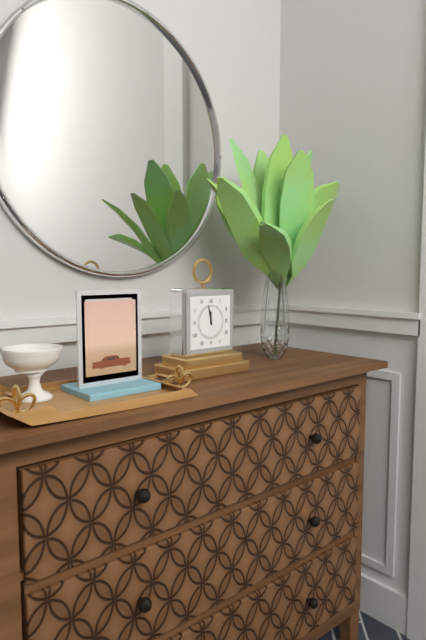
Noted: 11,58
